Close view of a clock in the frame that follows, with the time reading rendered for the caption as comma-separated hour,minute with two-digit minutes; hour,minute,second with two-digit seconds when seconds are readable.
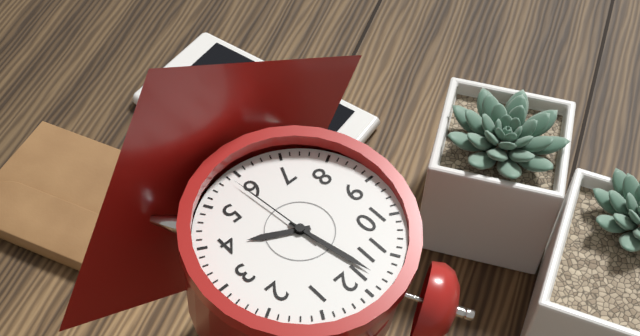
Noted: 3,58,29
